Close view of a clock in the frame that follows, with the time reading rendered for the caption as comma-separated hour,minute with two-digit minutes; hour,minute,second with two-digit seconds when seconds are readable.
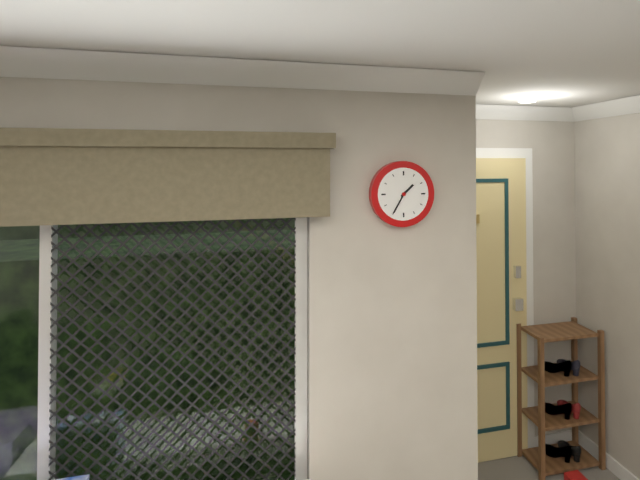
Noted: 1,35
